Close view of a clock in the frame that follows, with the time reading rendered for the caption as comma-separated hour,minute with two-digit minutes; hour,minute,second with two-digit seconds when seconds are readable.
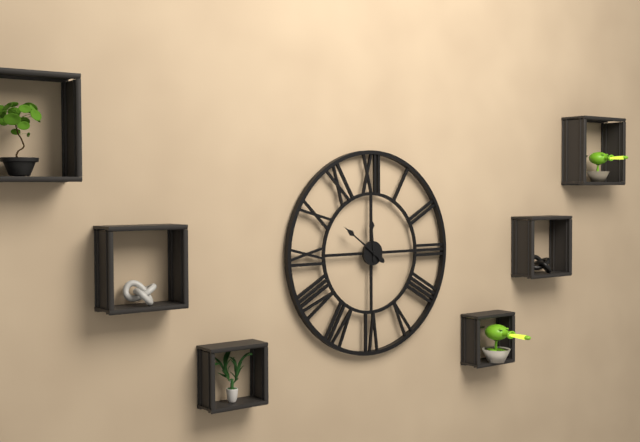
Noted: 11,51
